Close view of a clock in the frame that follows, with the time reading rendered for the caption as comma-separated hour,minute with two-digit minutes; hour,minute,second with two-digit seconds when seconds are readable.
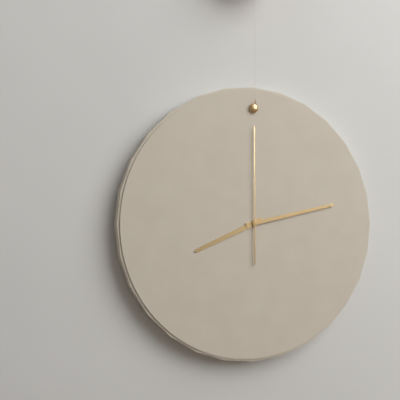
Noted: 8,13,00
